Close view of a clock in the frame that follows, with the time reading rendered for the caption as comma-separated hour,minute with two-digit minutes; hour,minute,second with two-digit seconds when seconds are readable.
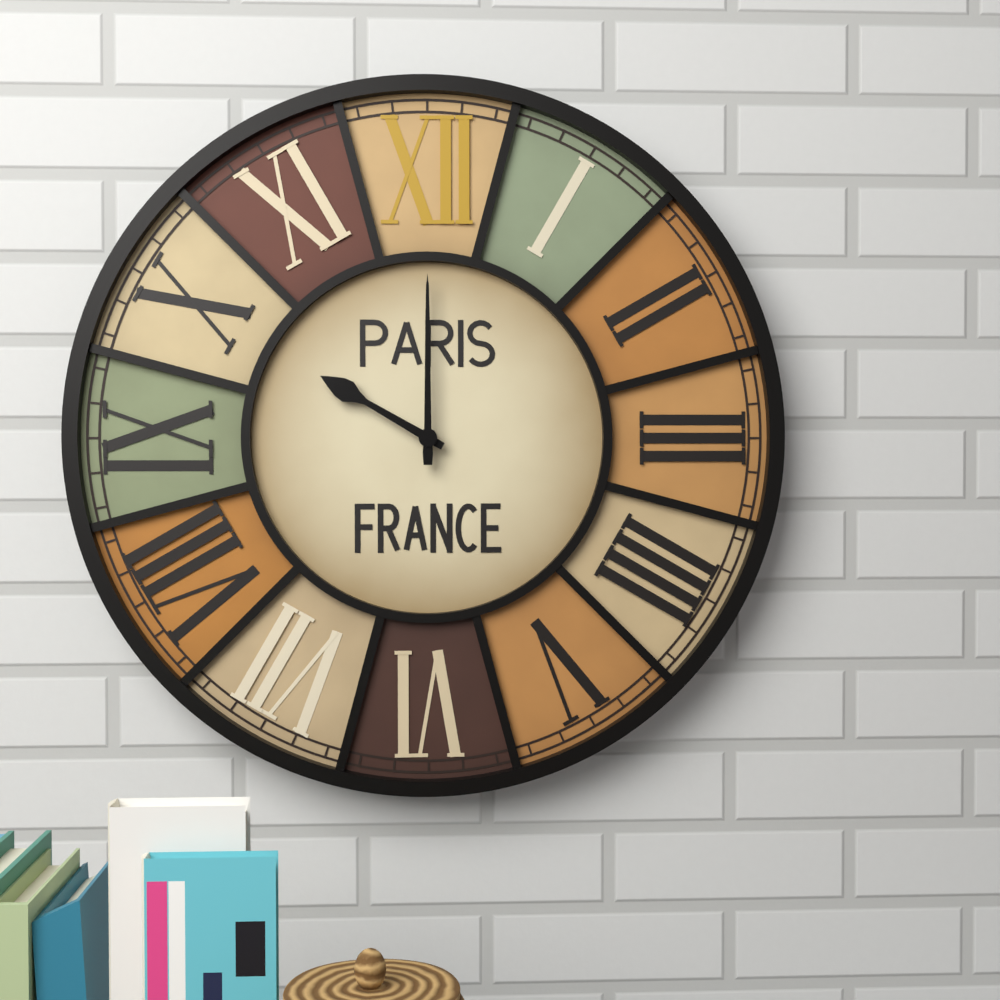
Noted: 10,00
